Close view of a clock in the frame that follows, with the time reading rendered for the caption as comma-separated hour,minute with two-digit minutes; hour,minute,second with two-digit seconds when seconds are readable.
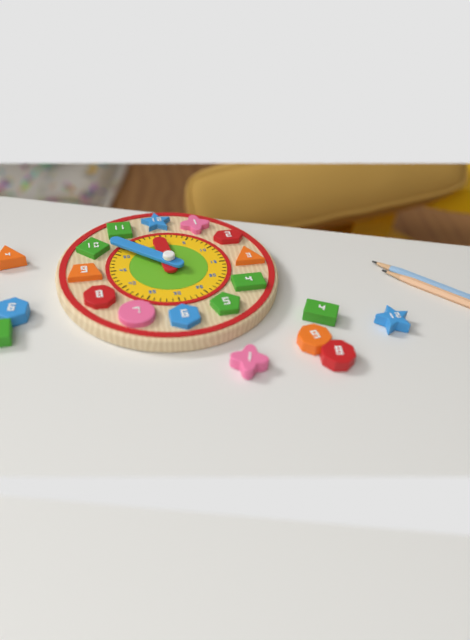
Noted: 11,52
